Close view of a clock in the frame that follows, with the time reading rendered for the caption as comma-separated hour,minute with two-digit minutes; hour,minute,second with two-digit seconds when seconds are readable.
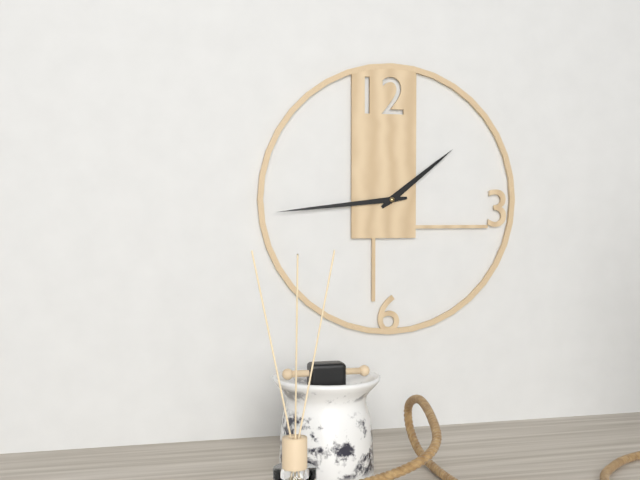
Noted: 1,44
